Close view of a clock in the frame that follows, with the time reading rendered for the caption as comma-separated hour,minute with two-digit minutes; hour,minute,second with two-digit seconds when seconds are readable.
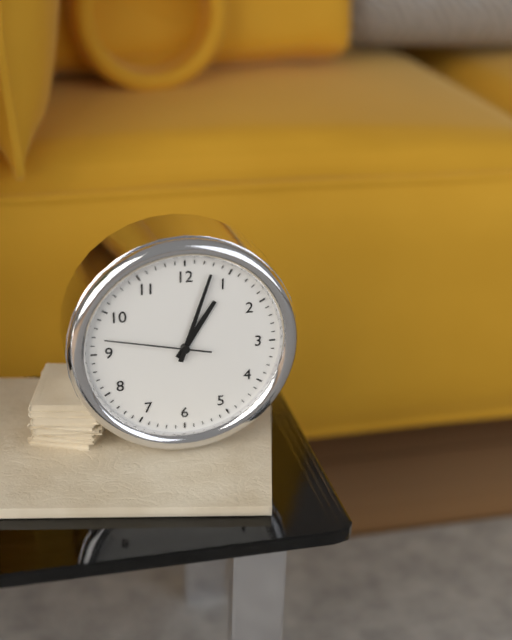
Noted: 1,03,47
